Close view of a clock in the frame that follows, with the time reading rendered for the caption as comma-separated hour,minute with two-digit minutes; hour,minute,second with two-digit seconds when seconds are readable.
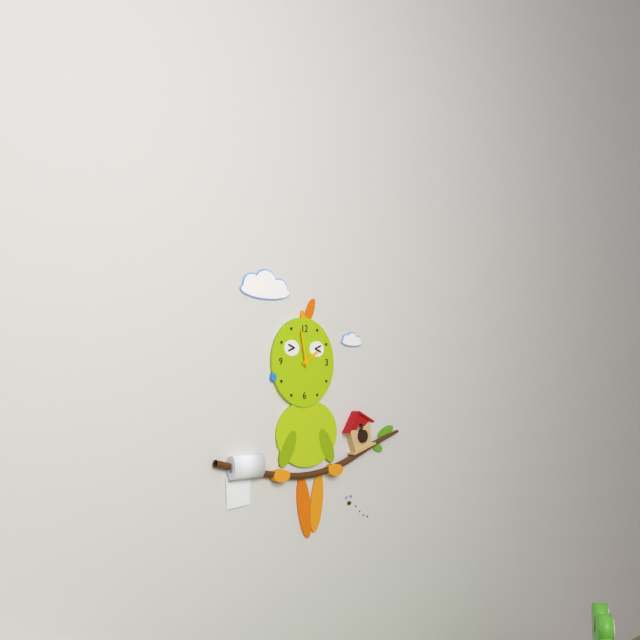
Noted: 1,58
